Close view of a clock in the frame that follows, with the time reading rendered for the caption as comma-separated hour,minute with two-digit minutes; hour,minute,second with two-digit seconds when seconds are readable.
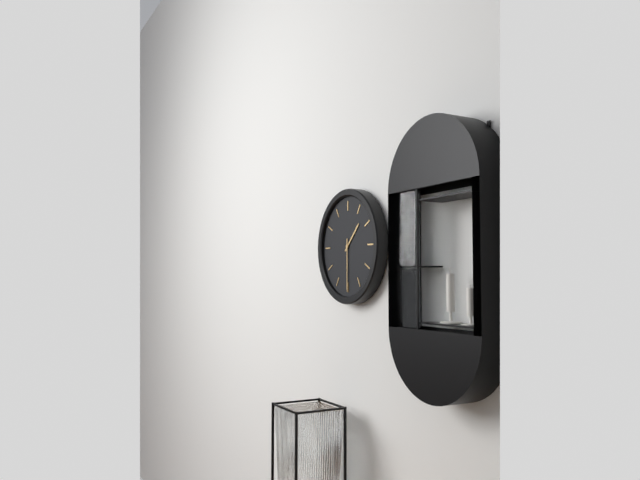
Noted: 1,30
